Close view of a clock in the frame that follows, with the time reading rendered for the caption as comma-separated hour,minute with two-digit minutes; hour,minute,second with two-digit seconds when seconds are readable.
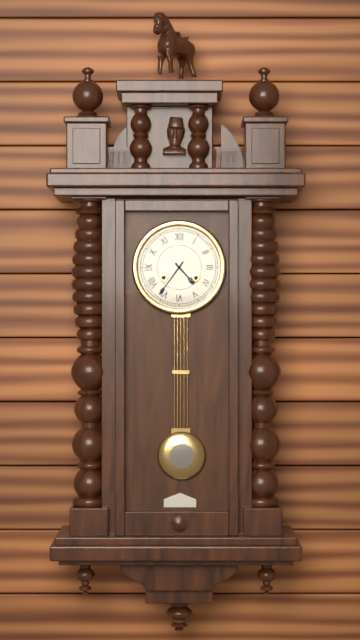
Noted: 4,36
